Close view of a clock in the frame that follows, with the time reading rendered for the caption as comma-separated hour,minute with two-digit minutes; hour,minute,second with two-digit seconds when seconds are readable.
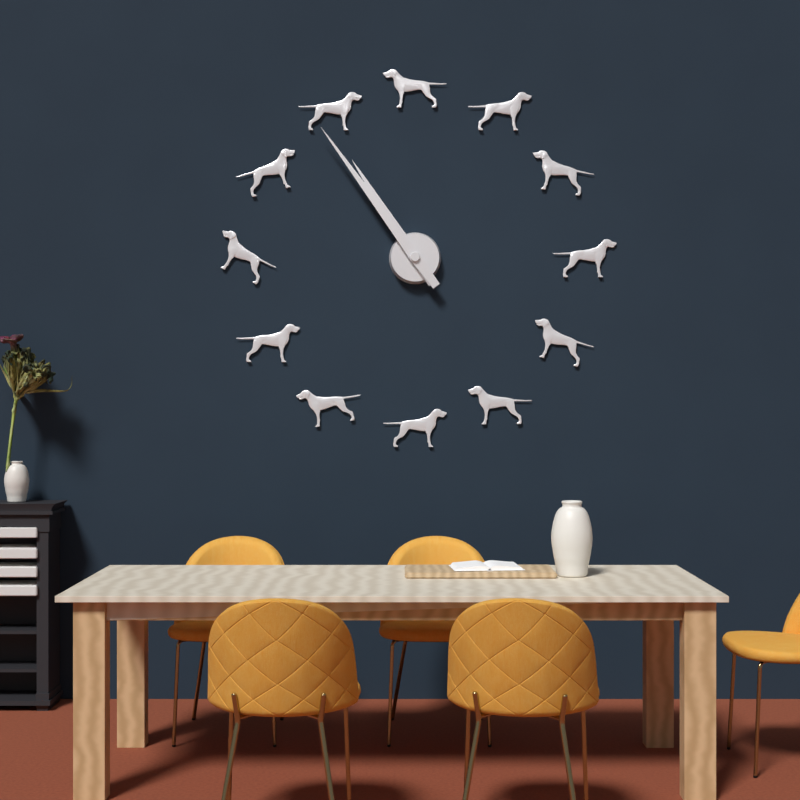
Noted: 10,54
